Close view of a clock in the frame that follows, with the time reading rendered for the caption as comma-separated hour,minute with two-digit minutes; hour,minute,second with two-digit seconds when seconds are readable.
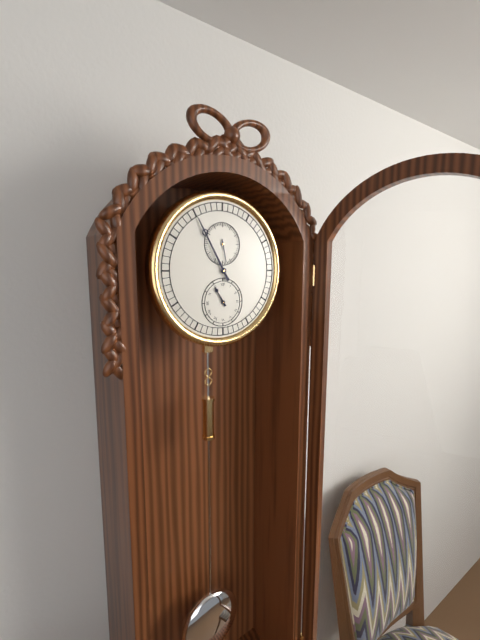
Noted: 10,55
